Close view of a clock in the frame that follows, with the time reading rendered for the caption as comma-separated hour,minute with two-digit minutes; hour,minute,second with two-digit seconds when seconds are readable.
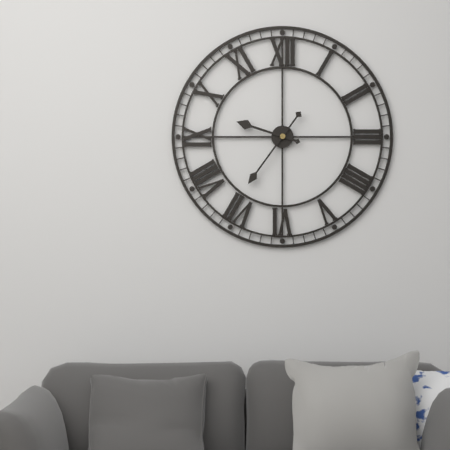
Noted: 9,36
